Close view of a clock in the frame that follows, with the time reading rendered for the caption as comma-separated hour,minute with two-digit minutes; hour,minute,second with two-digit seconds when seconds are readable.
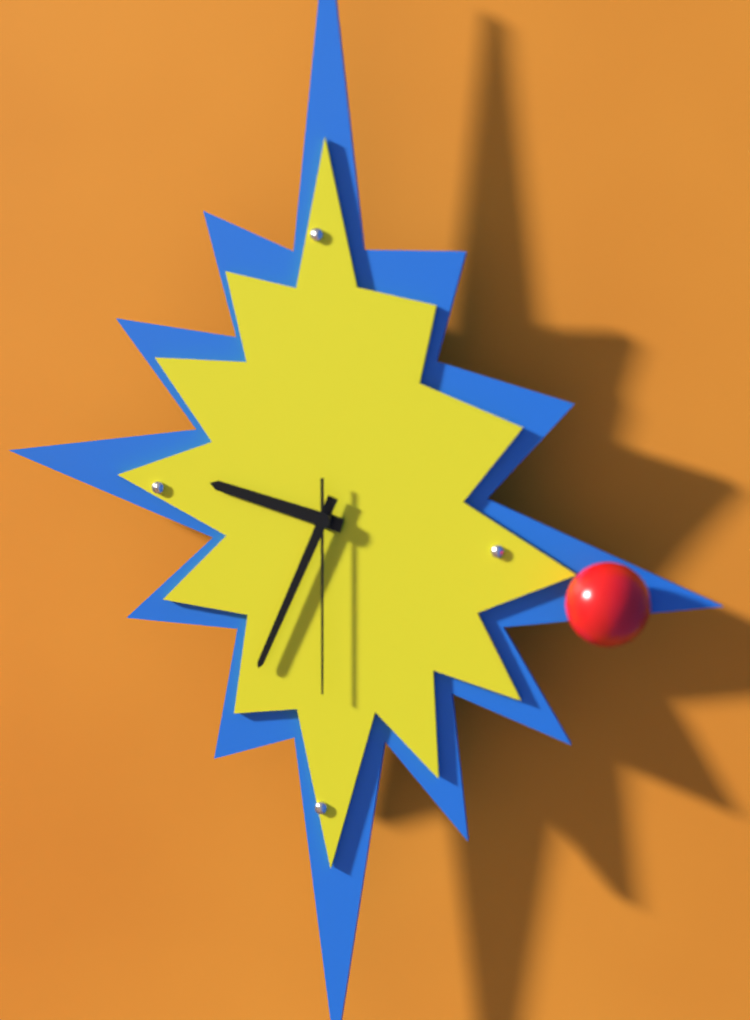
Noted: 9,34,30
